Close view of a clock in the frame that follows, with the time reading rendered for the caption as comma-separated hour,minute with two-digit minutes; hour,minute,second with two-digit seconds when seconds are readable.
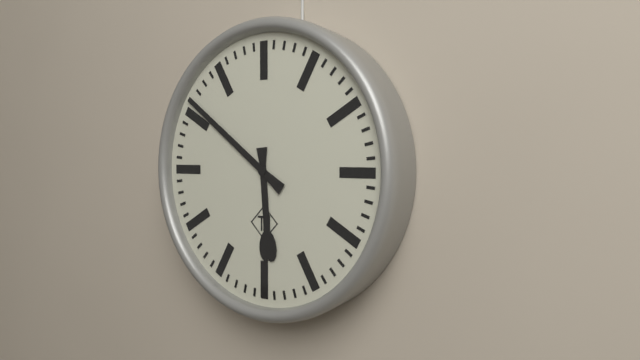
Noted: 5,51
